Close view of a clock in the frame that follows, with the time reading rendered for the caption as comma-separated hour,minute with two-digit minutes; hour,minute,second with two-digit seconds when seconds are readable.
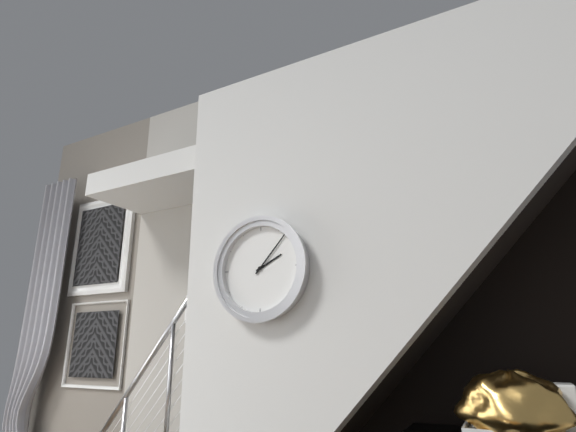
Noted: 2,07
